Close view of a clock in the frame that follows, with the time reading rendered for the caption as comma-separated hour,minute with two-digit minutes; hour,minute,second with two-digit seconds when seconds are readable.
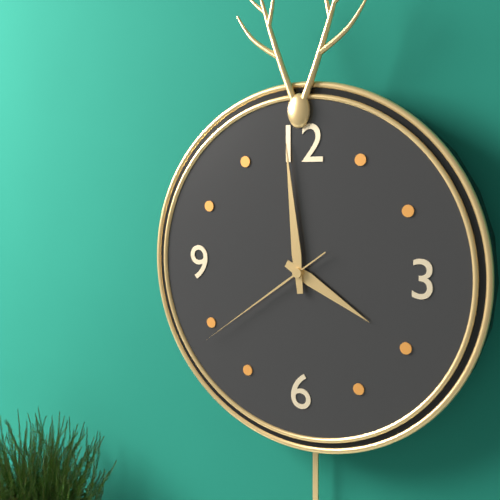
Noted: 3,59,39
